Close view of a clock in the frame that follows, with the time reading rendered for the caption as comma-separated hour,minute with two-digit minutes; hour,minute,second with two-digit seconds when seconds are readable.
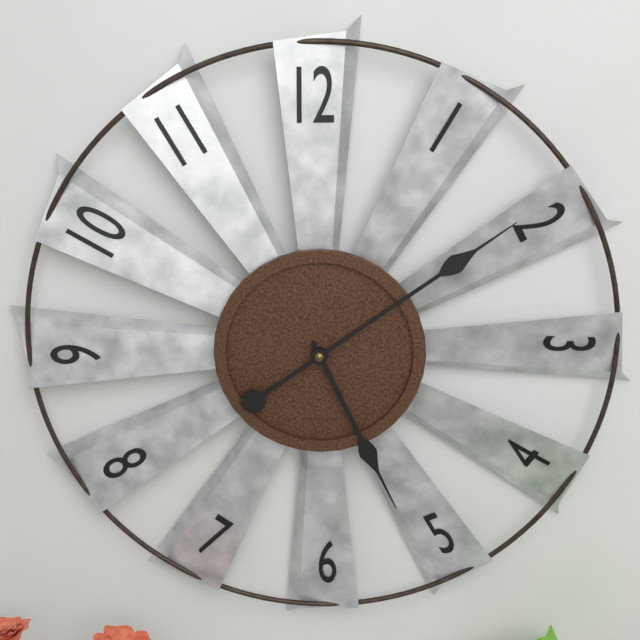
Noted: 5,09
